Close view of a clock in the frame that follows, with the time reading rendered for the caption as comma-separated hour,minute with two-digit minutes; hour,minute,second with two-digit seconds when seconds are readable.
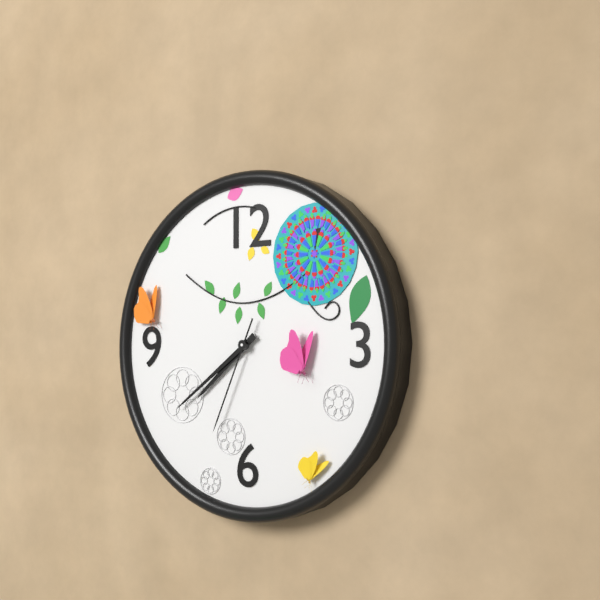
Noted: 7,39,34
